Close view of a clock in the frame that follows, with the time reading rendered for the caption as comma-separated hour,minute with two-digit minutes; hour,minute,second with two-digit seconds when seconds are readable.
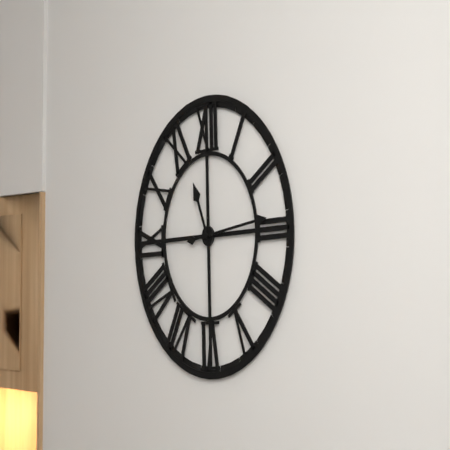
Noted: 11,14
